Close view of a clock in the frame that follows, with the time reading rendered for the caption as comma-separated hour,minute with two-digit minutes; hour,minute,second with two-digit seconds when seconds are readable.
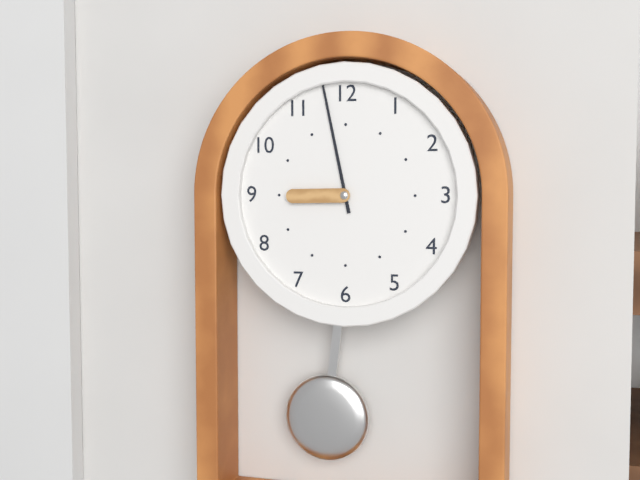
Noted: 8,58
